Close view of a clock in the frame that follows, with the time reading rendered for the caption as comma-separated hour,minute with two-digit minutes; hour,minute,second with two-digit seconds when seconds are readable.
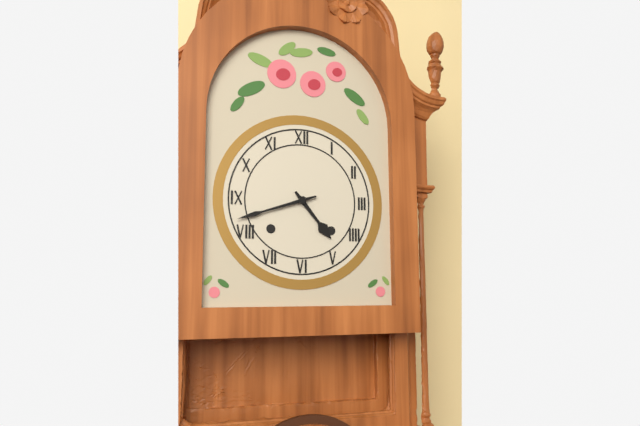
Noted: 4,42
